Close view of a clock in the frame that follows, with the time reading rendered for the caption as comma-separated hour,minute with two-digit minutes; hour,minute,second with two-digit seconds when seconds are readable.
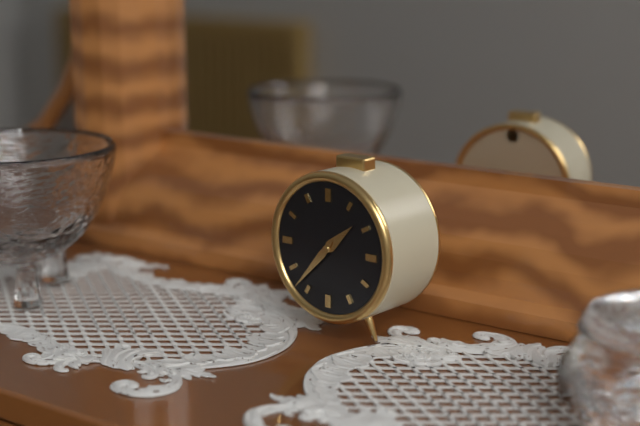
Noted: 1,37
